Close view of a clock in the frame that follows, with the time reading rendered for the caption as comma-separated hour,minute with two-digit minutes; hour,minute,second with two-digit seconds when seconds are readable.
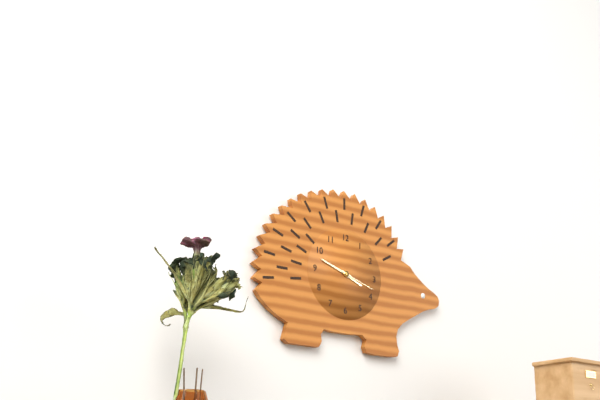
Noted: 3,48
